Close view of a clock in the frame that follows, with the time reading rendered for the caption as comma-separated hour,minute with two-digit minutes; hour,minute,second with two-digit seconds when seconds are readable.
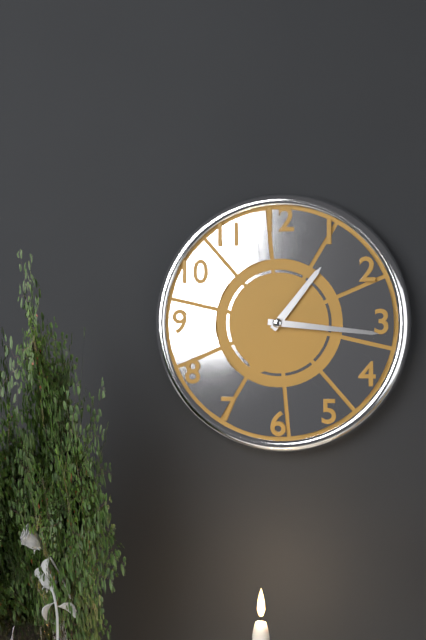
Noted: 1,16
